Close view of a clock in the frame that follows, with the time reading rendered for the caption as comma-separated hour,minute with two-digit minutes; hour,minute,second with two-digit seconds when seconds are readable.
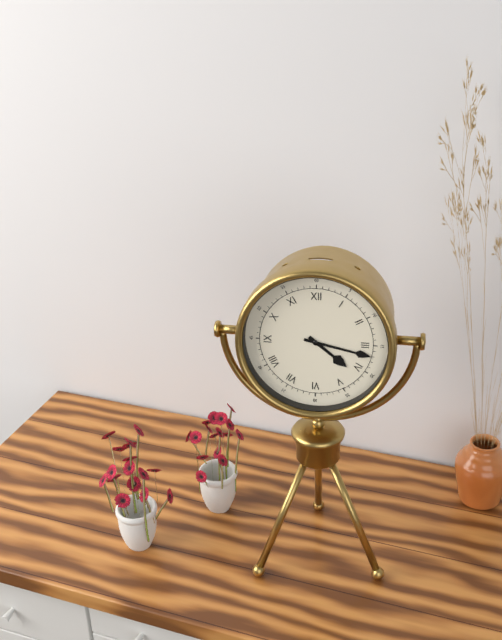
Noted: 4,17
